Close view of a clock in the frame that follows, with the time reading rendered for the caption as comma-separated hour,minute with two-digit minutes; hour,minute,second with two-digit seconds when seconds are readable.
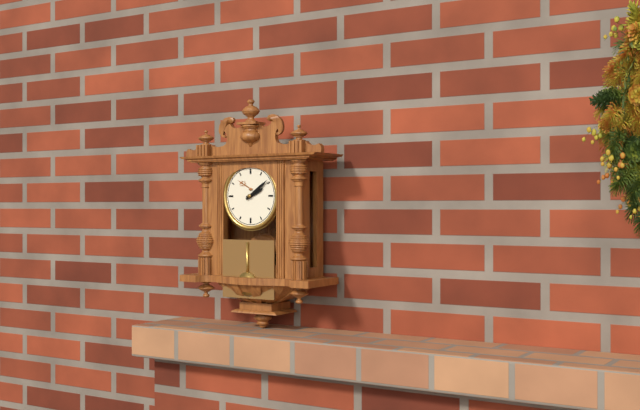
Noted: 2,09
